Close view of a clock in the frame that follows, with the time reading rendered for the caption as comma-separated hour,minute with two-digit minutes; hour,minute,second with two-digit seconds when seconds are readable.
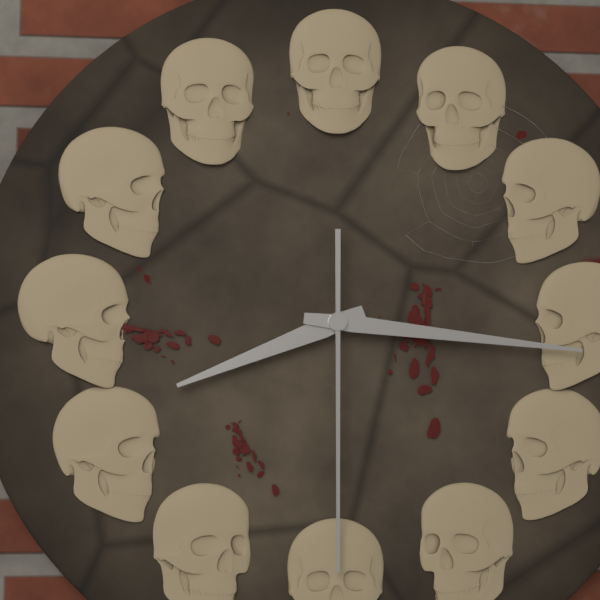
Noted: 8,16,30
